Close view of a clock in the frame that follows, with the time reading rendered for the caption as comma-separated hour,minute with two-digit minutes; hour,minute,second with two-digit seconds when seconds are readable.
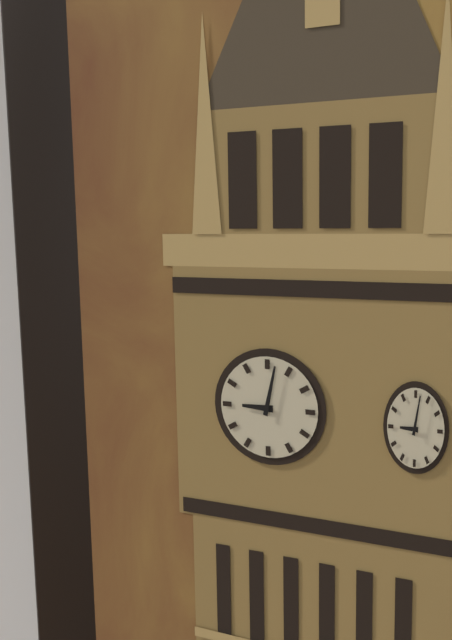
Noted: 9,02
